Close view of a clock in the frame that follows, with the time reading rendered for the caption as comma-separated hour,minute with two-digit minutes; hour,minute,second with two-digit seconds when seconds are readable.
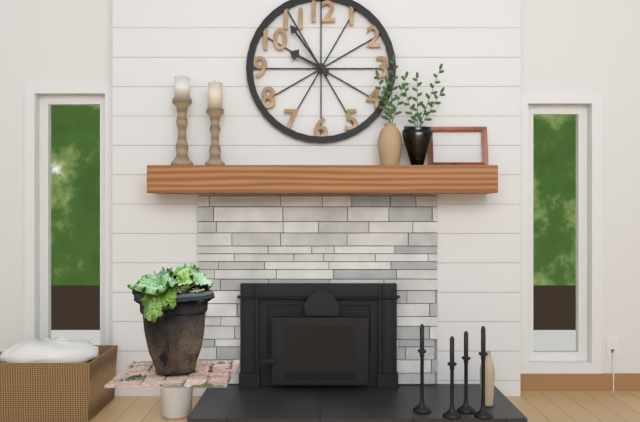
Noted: 9,54
